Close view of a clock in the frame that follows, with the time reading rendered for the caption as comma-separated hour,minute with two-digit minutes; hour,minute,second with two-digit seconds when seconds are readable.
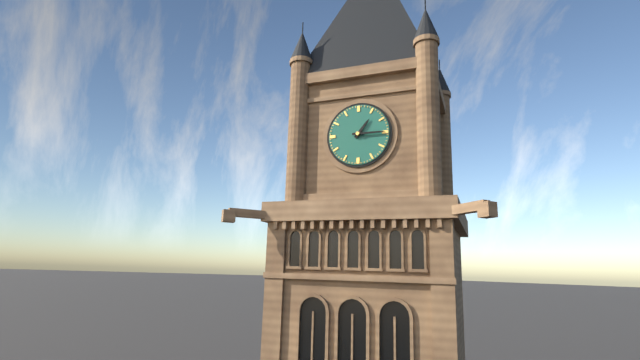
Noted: 1,15
